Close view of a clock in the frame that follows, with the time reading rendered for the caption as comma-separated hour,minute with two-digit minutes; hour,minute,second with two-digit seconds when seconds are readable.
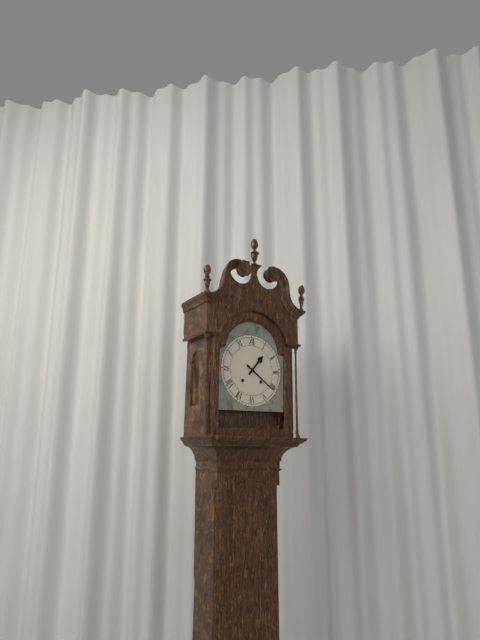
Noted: 1,21
